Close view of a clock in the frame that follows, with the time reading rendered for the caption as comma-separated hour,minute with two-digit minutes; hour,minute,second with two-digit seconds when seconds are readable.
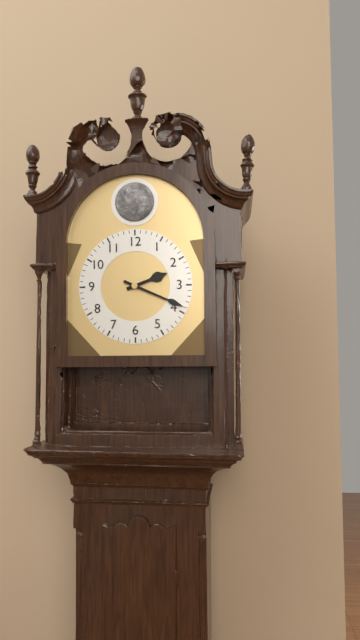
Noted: 2,19
